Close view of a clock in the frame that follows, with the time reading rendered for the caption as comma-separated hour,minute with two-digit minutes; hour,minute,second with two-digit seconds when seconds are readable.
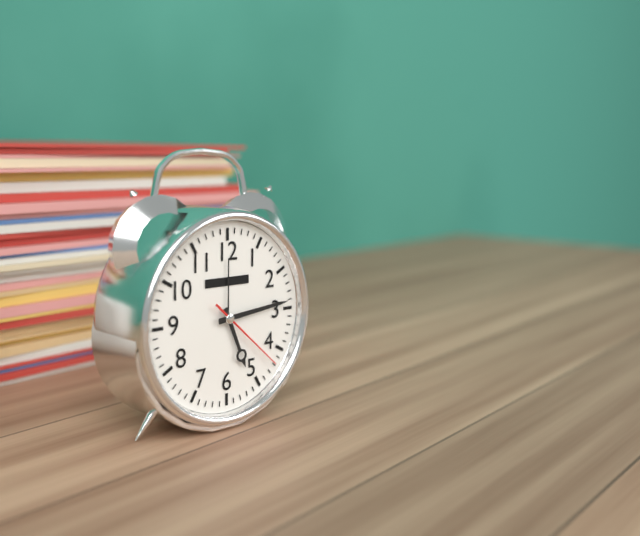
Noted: 5,14,22
